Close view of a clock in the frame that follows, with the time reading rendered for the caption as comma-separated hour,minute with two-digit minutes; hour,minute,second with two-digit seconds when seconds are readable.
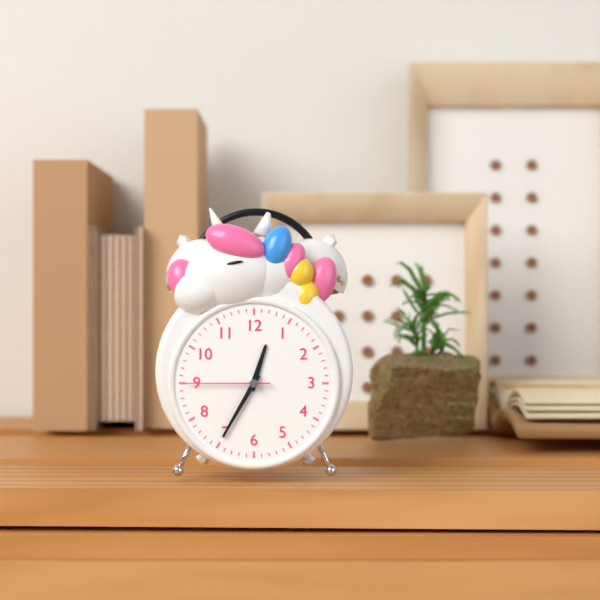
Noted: 12,35,45
